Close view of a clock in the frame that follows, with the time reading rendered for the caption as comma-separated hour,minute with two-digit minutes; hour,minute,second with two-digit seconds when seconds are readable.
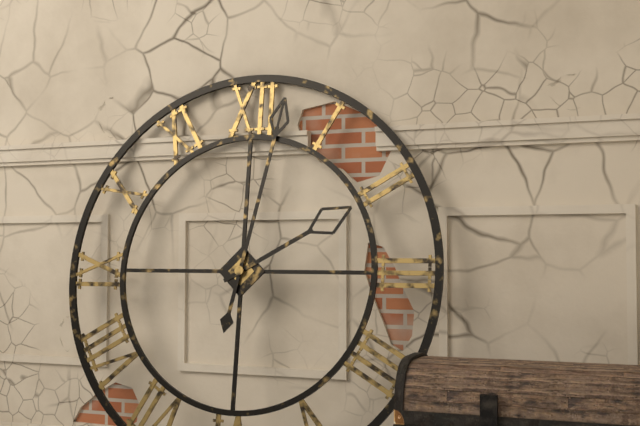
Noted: 2,02
